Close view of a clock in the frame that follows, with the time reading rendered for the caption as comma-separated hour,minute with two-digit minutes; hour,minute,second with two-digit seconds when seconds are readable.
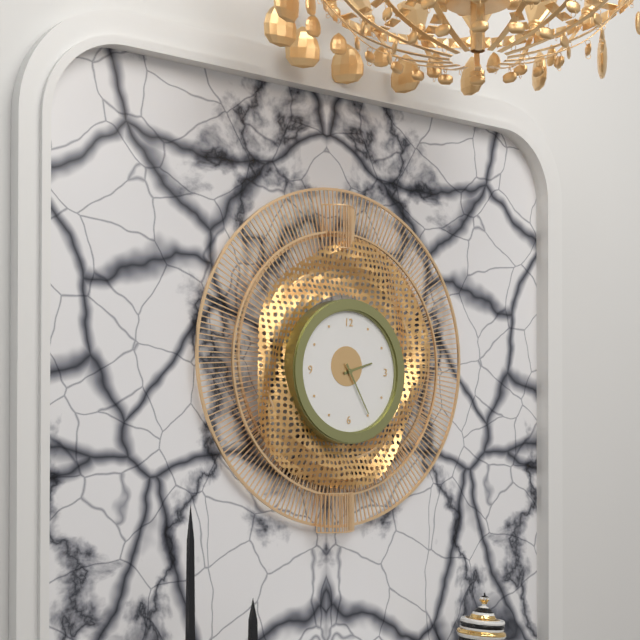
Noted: 2,25
